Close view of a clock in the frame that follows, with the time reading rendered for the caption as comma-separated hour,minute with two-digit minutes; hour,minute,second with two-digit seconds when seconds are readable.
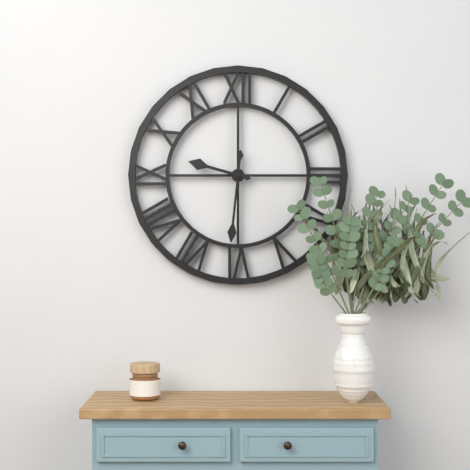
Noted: 9,31
